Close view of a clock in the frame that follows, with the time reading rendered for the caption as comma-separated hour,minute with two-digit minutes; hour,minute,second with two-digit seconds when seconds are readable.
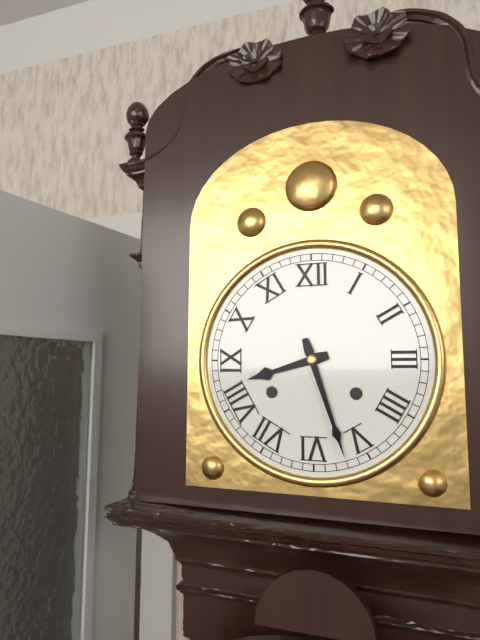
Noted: 8,27
